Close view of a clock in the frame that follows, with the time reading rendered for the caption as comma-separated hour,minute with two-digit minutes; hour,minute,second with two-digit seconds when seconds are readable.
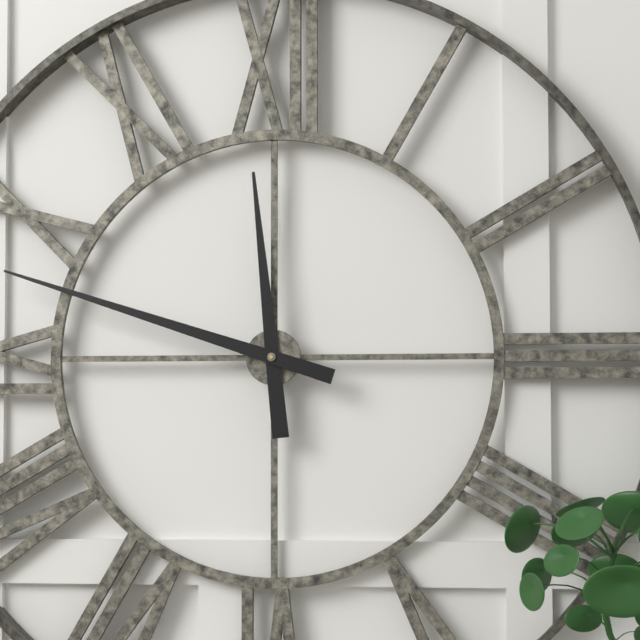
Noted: 11,48
